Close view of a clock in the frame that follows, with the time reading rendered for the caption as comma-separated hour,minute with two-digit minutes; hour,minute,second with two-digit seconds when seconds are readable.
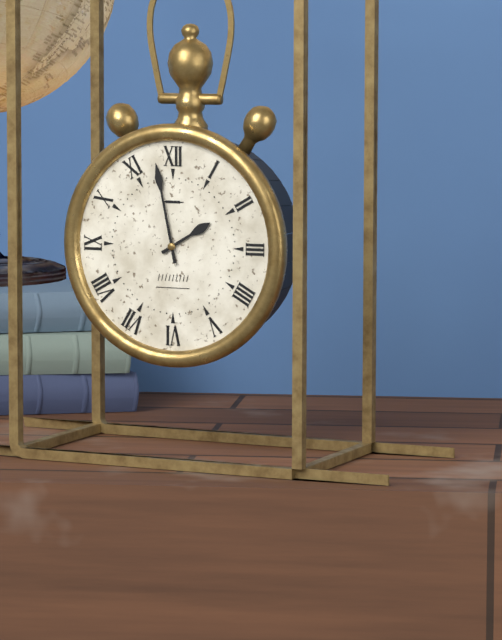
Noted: 1,58
